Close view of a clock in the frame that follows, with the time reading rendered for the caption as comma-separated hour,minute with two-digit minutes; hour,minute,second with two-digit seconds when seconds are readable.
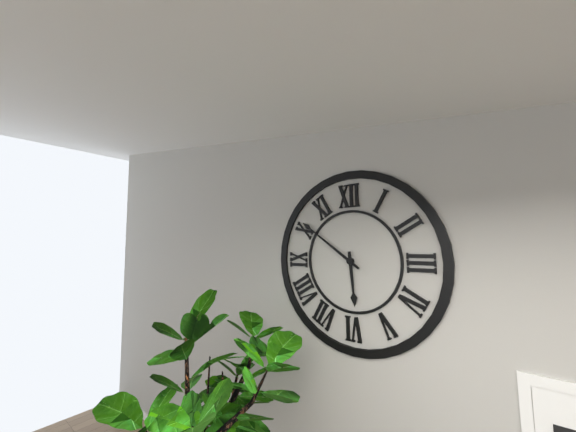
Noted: 5,51
